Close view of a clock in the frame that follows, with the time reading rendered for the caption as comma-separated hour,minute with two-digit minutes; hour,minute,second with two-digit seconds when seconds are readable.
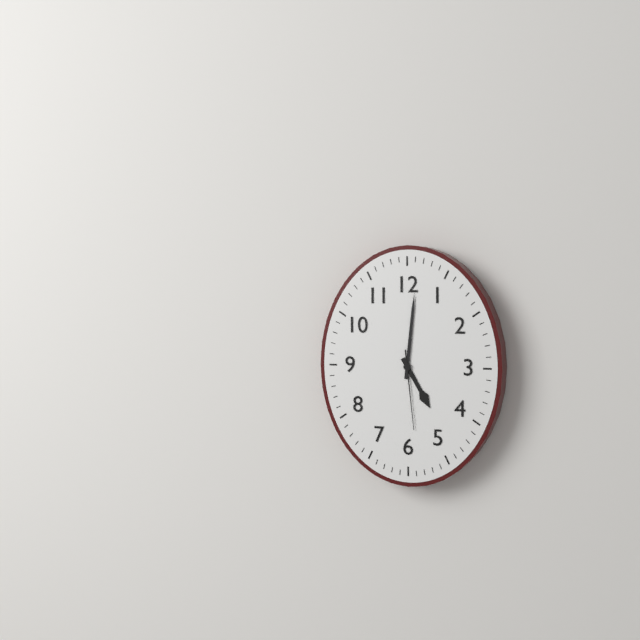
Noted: 5,01,29
